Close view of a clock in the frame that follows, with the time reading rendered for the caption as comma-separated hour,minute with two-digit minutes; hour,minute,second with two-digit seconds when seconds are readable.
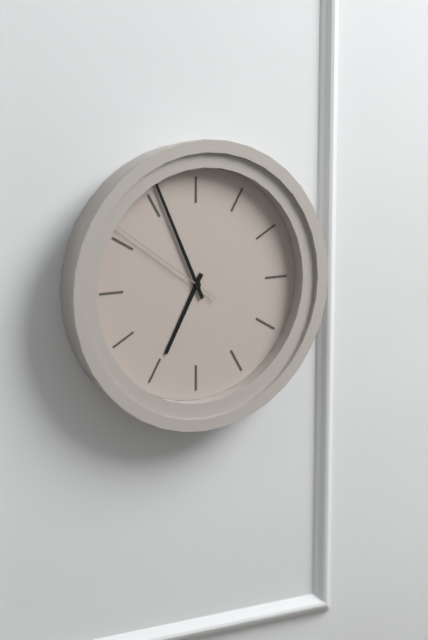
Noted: 6,56,51
